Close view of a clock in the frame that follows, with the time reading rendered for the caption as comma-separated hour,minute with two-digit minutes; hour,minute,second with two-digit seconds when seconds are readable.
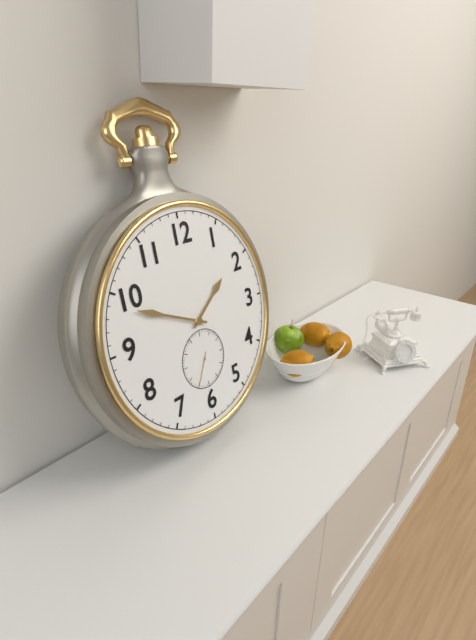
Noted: 1,49
